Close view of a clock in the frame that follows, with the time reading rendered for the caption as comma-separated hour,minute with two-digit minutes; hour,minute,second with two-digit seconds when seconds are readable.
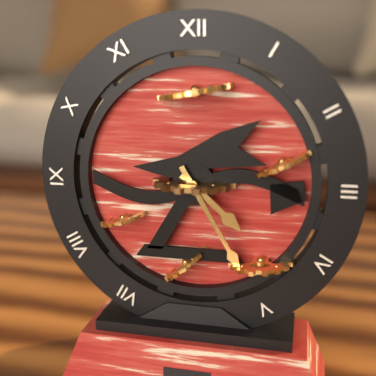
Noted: 4,25
